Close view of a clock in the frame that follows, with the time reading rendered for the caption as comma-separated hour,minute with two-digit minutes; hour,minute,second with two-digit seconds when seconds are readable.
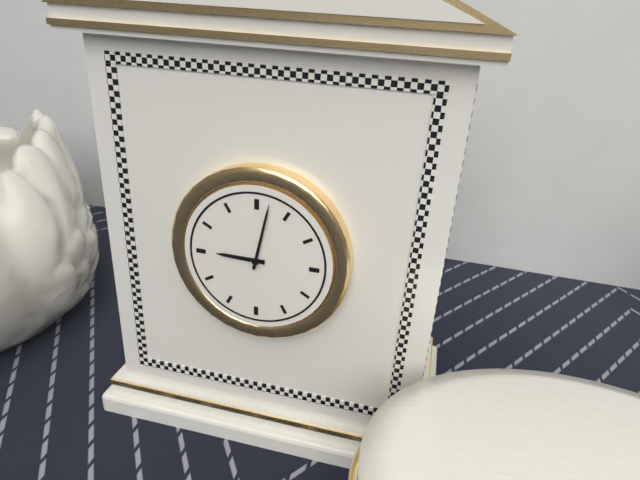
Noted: 9,02
